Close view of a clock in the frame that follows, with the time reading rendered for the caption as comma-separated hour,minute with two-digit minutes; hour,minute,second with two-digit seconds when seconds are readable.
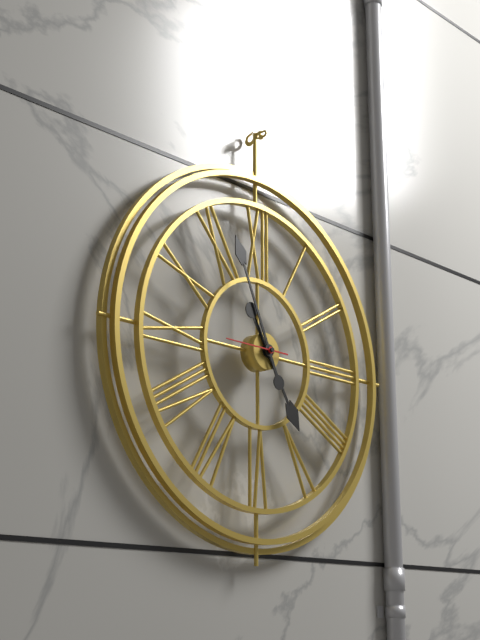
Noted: 4,56
